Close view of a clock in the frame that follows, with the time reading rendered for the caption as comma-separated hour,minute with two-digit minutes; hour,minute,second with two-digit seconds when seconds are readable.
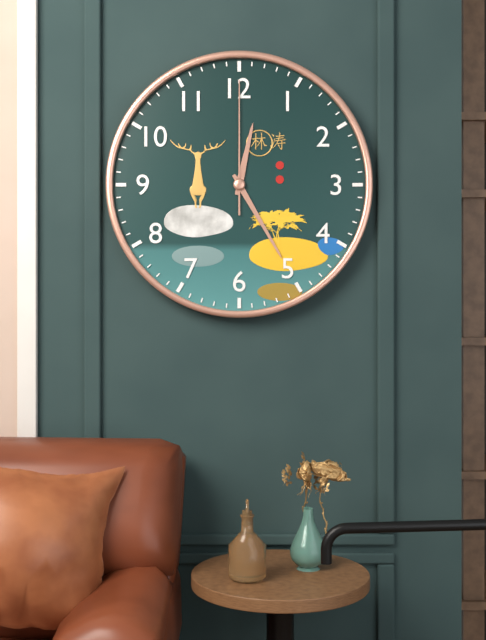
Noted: 12,25,00
